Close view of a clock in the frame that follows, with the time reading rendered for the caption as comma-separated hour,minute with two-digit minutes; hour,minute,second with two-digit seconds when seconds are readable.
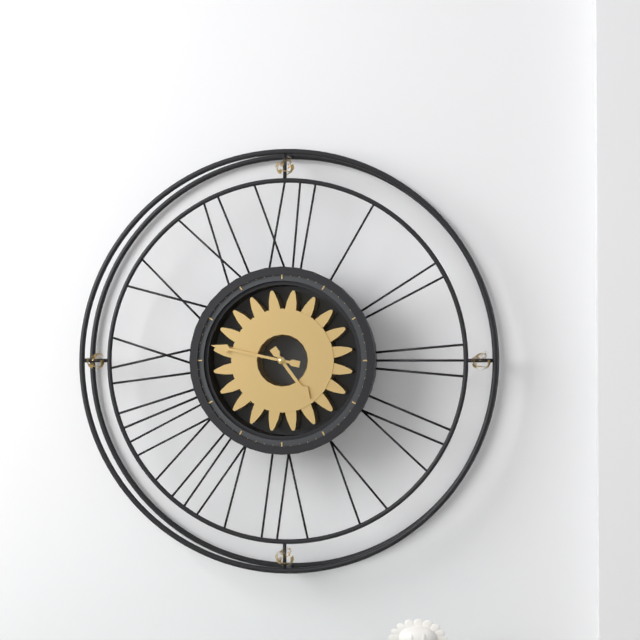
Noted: 4,47
